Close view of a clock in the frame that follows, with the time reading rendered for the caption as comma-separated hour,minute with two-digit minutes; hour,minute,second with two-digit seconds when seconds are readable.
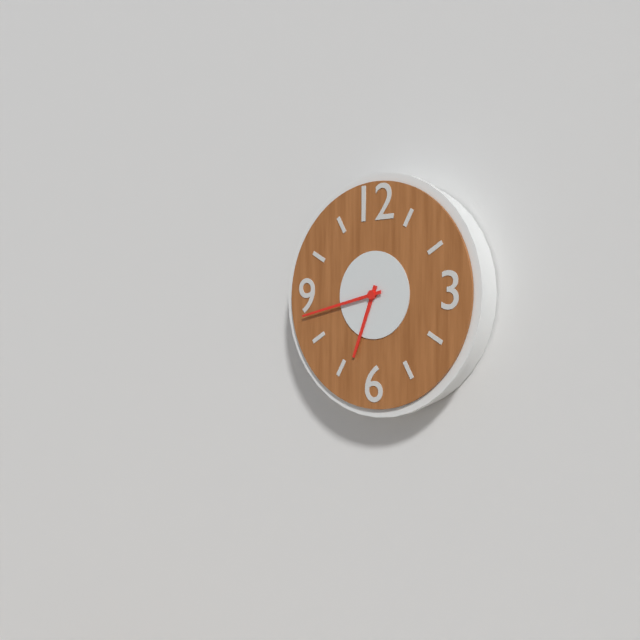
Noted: 6,43
